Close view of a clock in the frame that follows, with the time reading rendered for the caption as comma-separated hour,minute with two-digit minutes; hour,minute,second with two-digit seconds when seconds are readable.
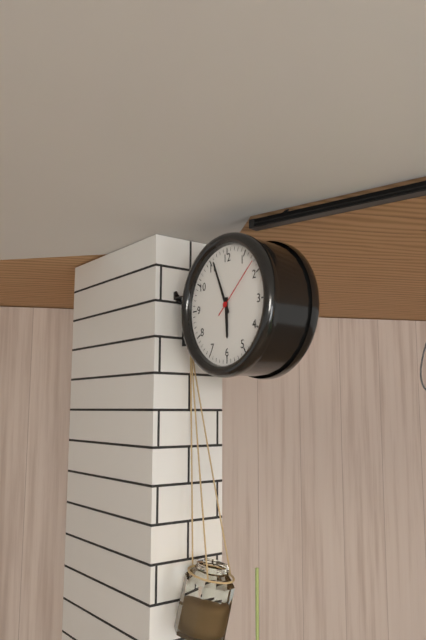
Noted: 5,56,08
